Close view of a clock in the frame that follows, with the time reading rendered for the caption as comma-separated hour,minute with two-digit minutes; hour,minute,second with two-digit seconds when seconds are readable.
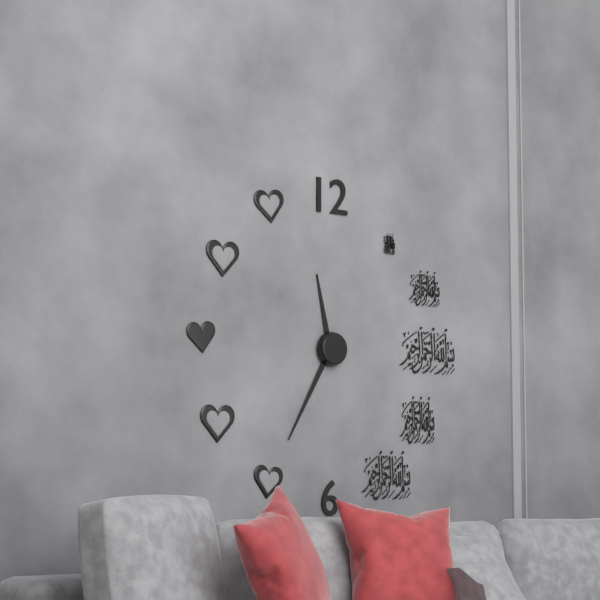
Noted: 11,35
